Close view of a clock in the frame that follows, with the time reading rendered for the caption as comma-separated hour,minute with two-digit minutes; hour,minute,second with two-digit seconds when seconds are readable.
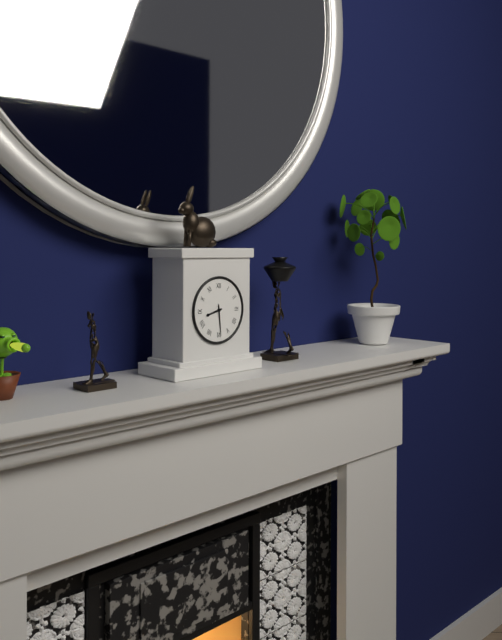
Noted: 8,29
